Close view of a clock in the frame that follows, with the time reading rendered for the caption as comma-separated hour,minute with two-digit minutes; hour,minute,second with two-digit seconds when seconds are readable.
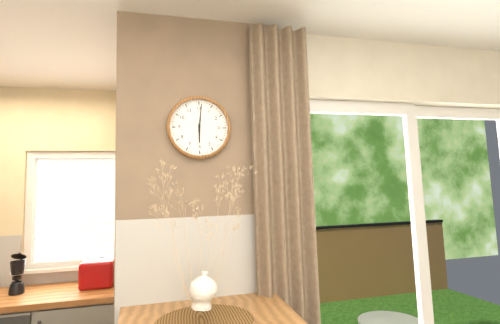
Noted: 6,01
